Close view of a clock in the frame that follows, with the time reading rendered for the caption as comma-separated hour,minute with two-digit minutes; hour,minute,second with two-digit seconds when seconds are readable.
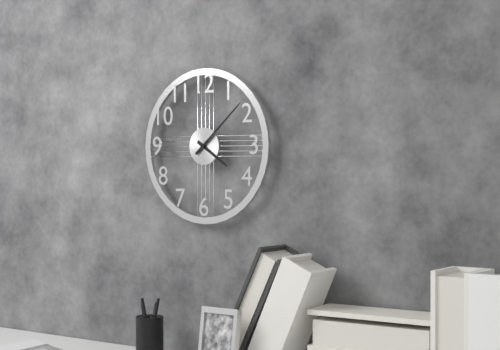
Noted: 4,08
